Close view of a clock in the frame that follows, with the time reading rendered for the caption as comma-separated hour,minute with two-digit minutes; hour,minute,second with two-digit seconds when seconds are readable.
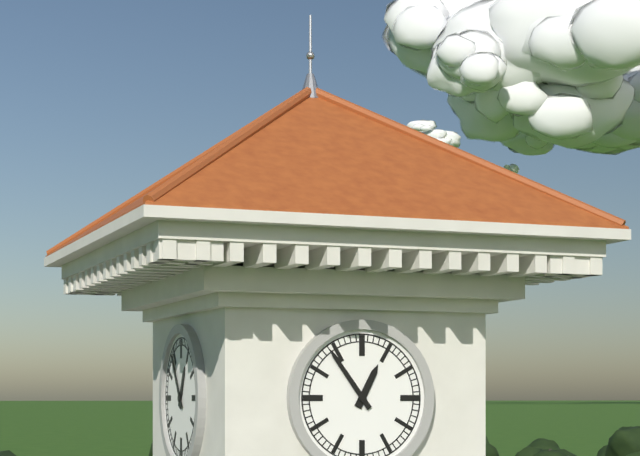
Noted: 12,54
